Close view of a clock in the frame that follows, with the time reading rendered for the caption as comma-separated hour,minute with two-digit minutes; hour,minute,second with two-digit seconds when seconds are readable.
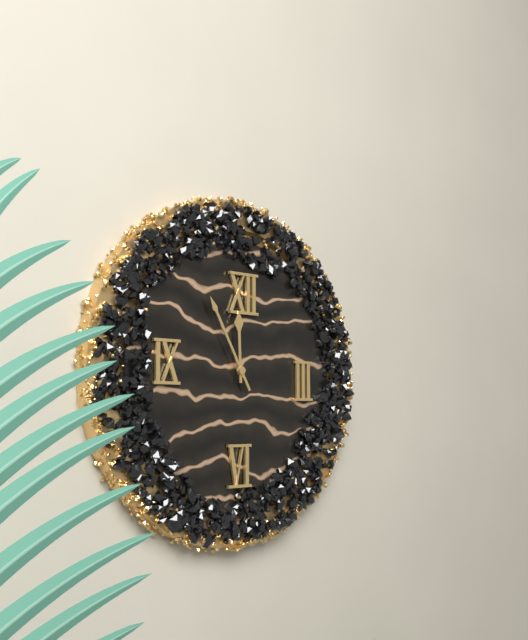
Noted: 11,55
